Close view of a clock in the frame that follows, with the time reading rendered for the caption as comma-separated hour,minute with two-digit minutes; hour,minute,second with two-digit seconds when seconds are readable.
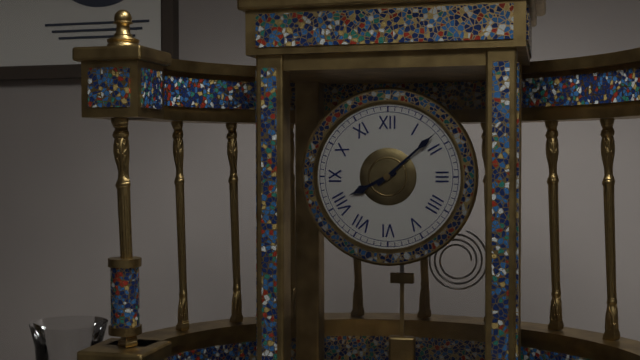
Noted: 8,08
